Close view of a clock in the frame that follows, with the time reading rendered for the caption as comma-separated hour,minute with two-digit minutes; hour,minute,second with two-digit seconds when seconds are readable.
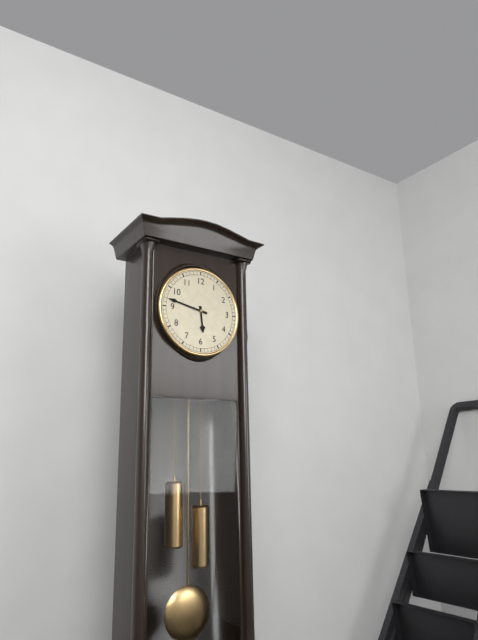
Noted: 5,47
